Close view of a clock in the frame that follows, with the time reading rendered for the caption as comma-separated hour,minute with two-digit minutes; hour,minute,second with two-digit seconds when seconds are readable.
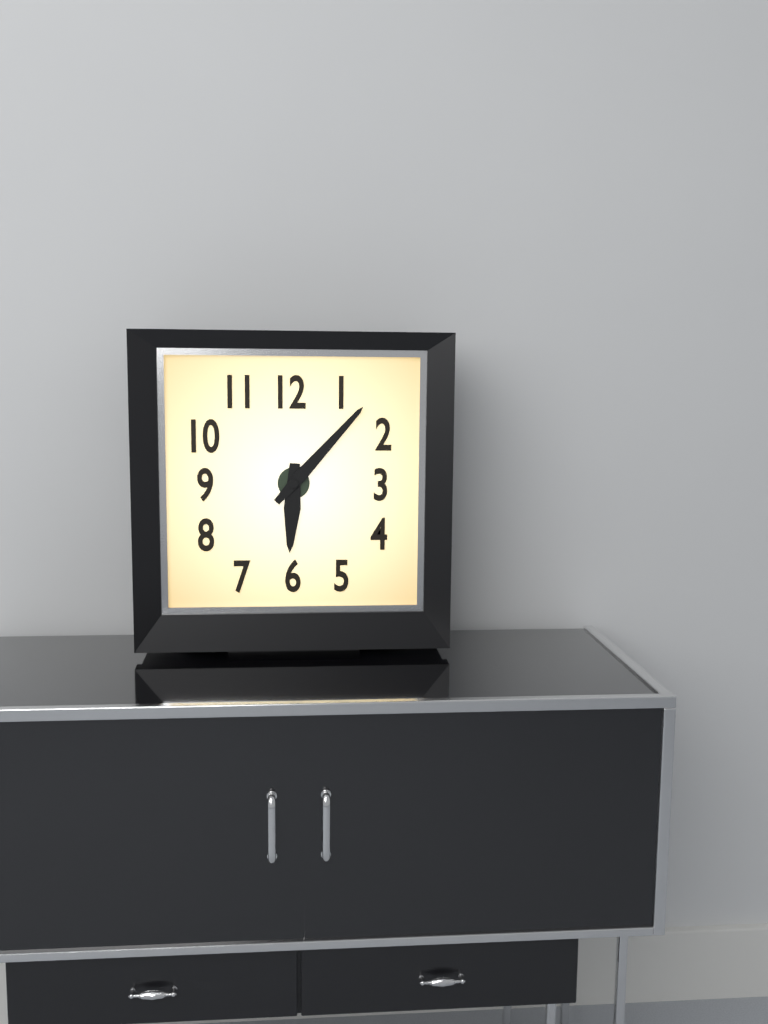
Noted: 6,07
